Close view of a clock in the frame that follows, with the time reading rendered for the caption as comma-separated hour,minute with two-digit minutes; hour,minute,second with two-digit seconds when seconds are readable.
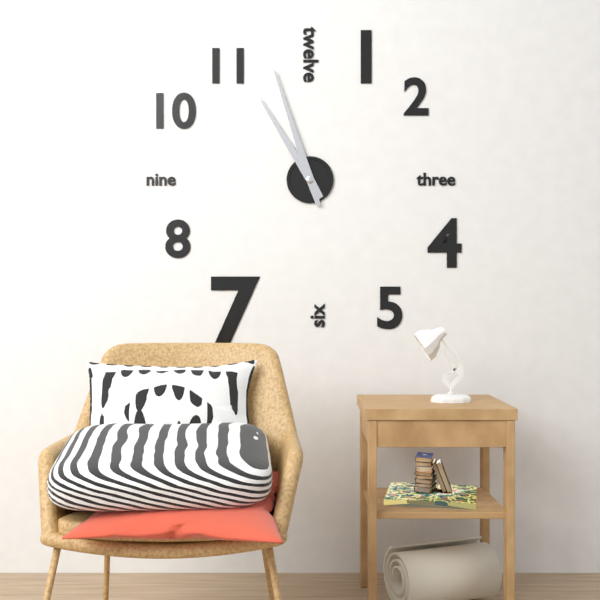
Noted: 10,57
